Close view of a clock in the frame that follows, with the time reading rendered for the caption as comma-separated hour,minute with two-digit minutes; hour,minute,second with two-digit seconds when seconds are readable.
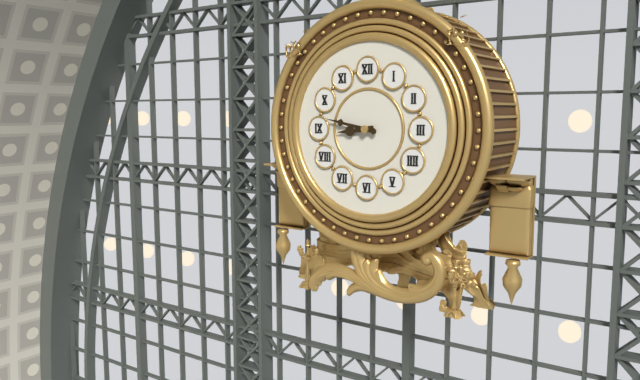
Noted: 8,47
